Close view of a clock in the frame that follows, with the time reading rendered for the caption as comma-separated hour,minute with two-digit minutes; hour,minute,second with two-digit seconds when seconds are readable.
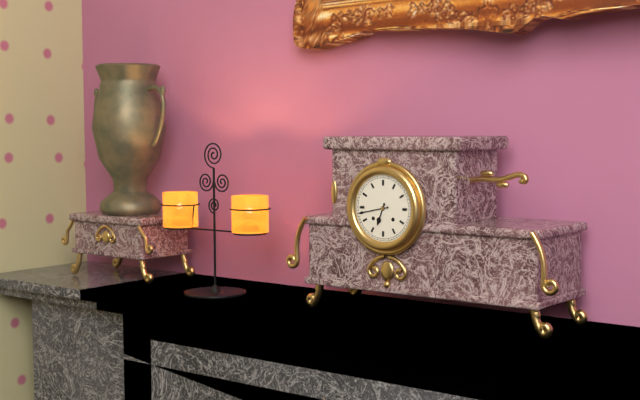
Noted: 6,43
